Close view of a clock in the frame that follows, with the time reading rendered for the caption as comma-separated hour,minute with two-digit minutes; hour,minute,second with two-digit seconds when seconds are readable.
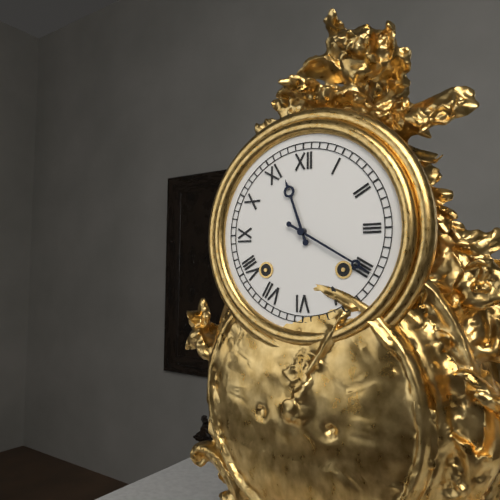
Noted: 11,20
